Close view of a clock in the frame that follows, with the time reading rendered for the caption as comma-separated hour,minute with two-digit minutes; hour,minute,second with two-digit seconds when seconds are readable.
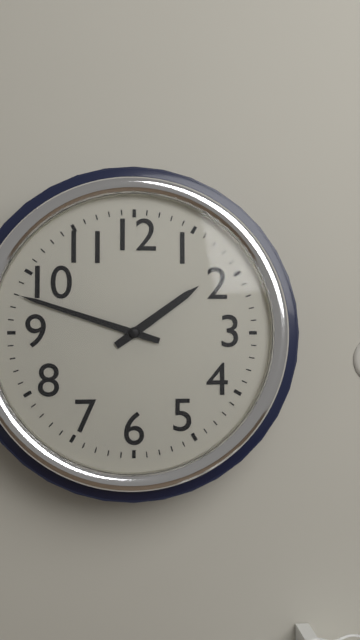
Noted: 1,48
